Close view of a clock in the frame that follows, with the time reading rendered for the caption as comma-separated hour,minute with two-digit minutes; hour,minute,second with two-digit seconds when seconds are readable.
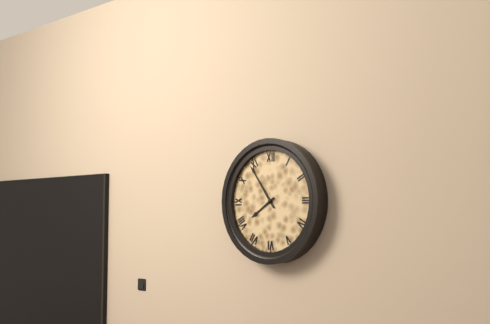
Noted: 7,54
